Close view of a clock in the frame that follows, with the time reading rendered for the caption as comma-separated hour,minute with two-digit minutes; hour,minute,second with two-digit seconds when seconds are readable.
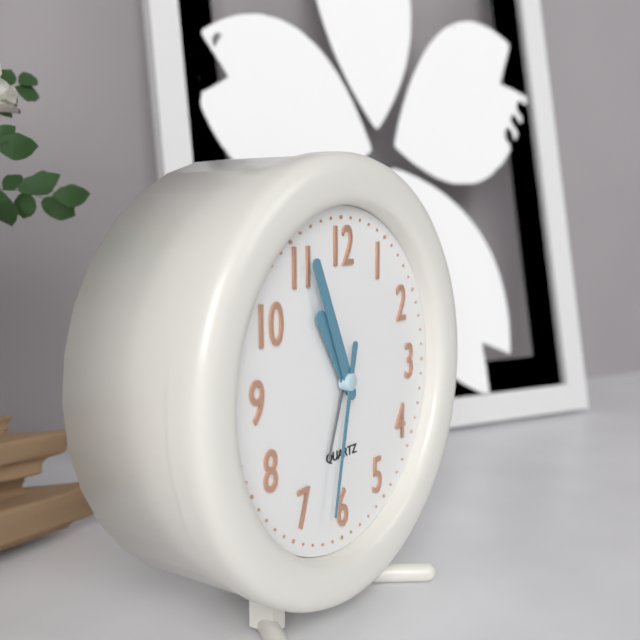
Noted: 10,56,32
